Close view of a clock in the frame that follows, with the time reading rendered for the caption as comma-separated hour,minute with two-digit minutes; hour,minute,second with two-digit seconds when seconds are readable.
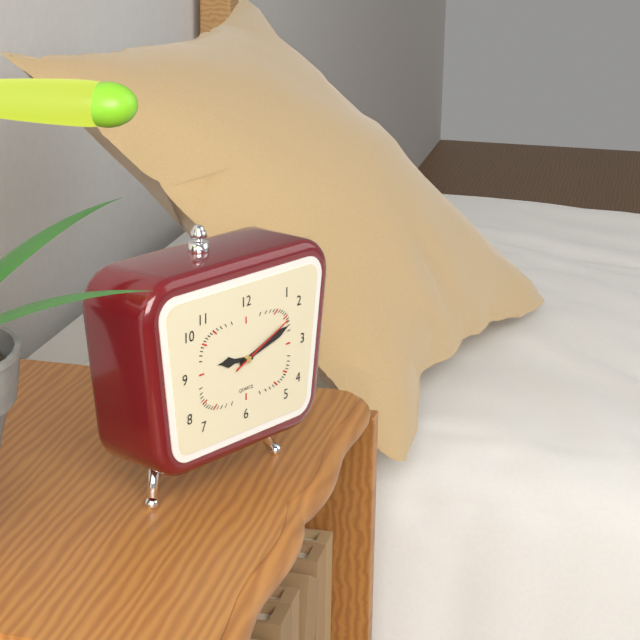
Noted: 9,12,11
